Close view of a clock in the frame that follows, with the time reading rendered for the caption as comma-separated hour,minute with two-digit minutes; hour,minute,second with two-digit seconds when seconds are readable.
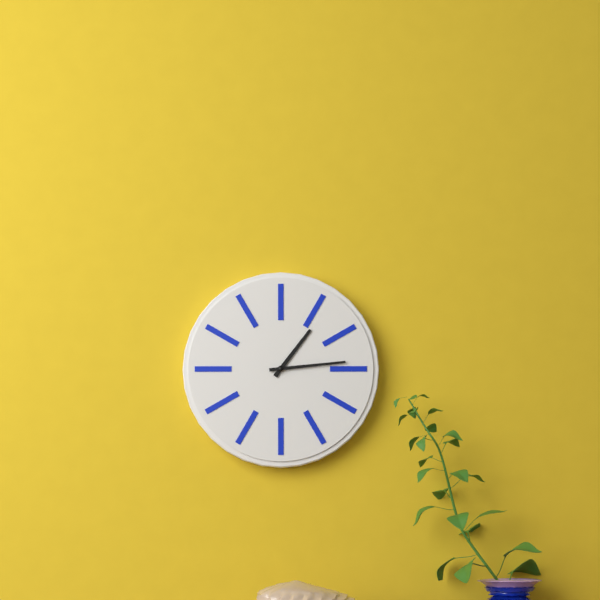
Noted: 1,14
